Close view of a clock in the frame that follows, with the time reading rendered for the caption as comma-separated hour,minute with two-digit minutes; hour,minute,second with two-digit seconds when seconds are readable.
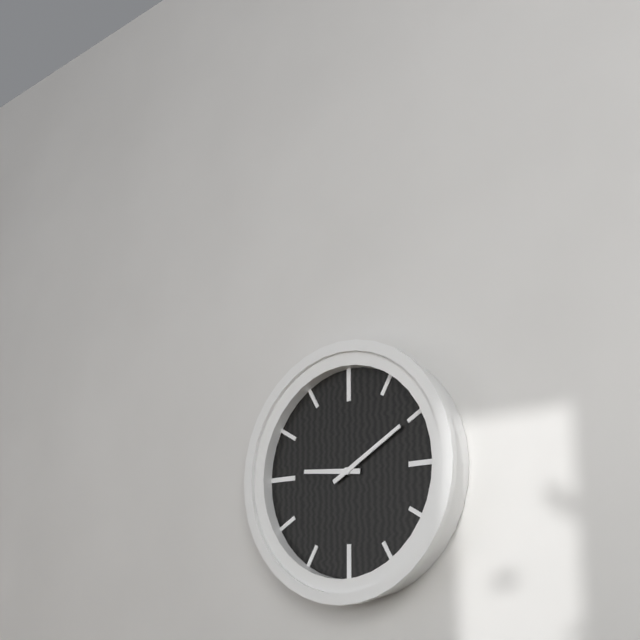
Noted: 9,10
